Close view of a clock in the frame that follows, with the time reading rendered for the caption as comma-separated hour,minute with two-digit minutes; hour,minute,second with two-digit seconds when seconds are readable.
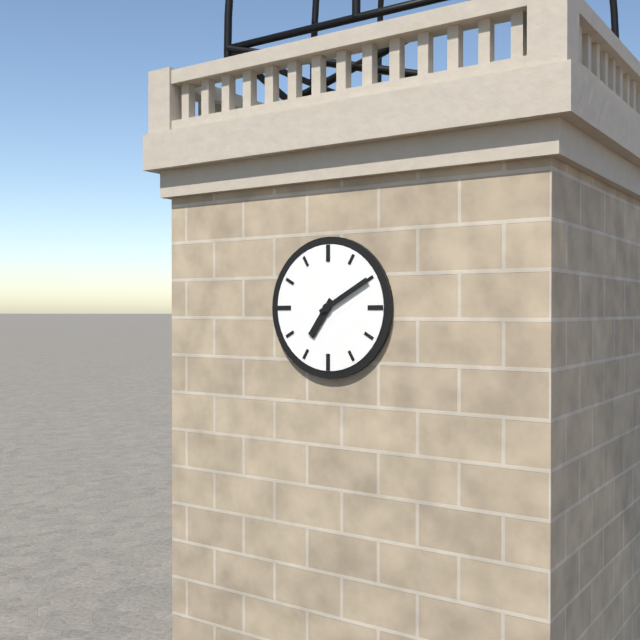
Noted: 7,10
